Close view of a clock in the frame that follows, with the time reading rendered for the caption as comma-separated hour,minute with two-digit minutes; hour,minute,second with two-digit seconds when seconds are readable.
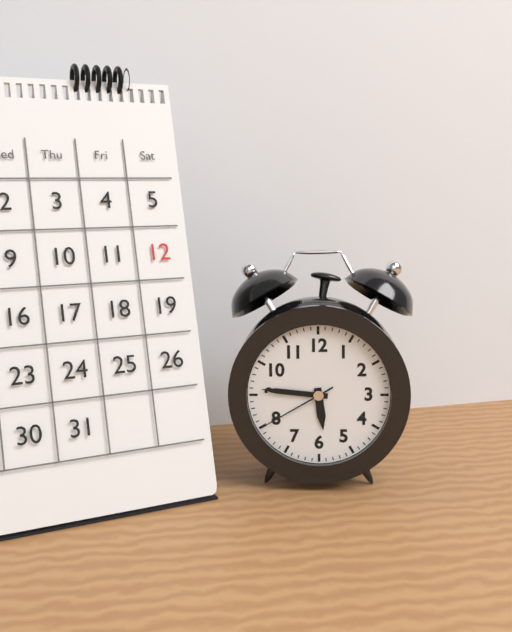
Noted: 5,46,40
